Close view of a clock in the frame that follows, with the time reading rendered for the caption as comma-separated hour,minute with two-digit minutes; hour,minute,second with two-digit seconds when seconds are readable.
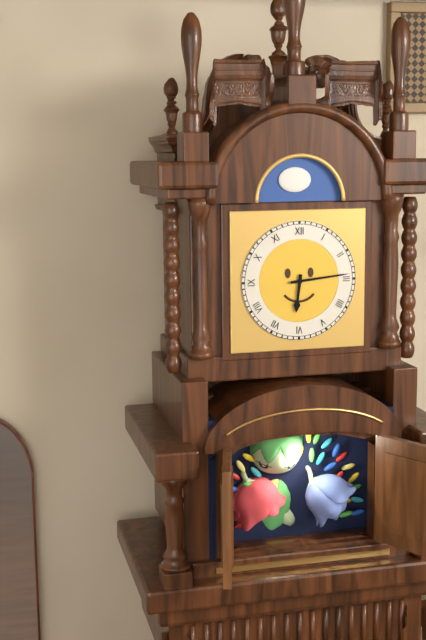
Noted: 6,14
